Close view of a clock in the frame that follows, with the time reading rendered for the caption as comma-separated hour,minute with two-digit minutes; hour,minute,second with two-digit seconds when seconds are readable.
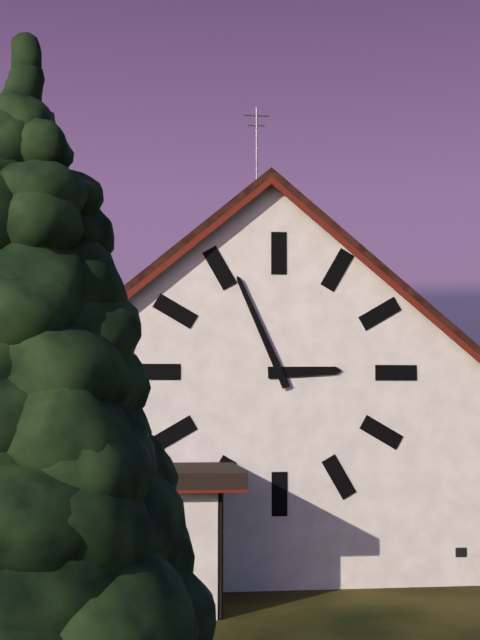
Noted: 2,56
